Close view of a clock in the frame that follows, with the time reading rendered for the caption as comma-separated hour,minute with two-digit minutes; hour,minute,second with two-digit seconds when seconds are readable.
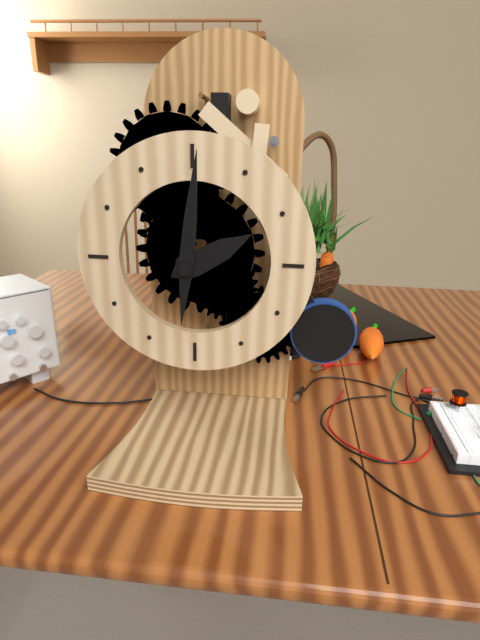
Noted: 2,01
